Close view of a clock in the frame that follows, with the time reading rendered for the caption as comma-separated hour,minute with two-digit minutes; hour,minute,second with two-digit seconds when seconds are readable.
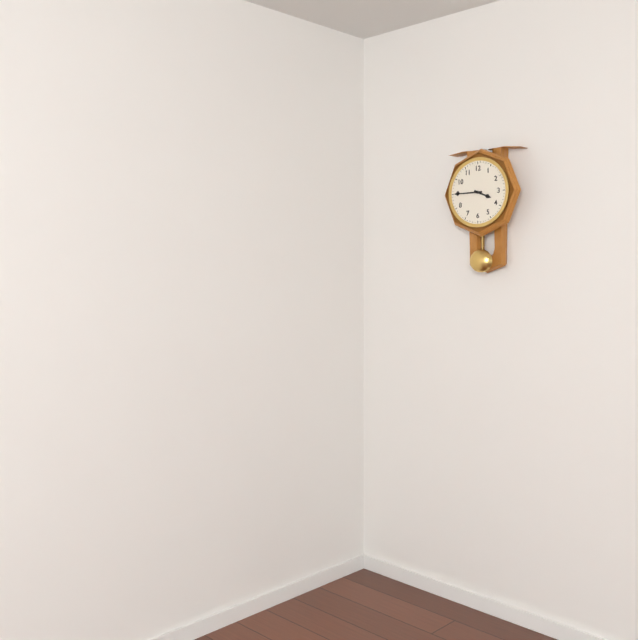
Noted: 3,45
